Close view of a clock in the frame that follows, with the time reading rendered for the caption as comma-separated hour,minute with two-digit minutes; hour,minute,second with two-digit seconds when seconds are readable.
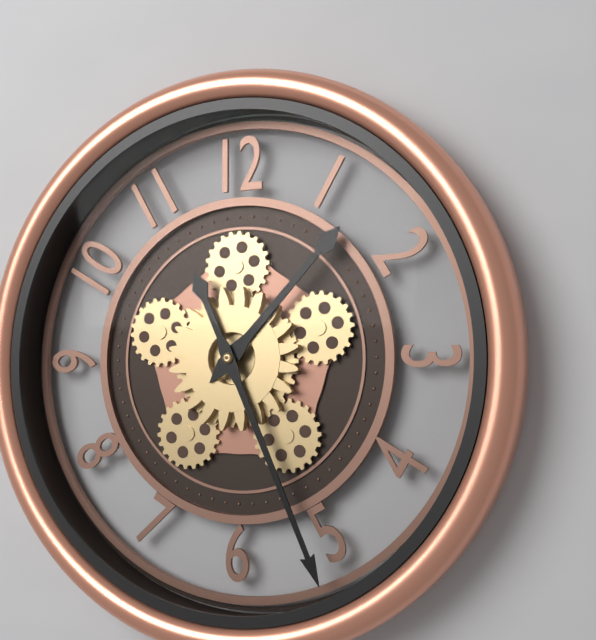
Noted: 1,26
